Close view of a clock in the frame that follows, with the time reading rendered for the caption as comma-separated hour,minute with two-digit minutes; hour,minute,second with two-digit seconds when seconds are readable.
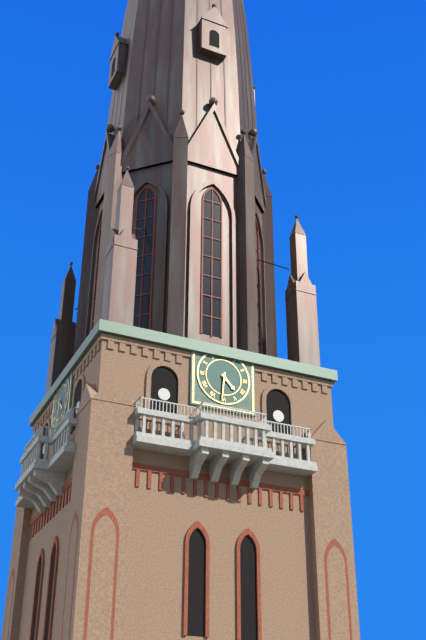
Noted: 4,31
